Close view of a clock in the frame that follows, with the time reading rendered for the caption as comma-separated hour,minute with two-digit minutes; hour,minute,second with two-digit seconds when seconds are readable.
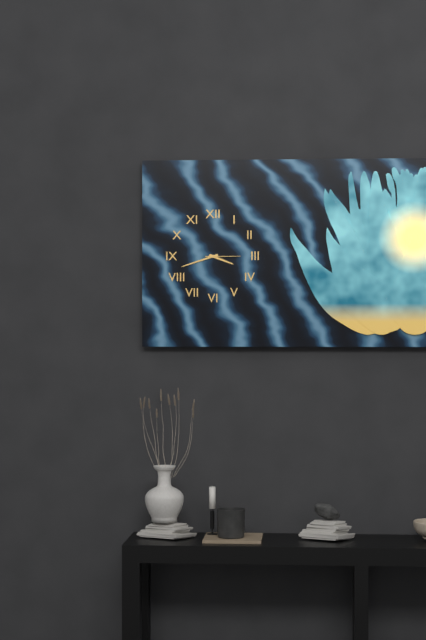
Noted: 3,42
